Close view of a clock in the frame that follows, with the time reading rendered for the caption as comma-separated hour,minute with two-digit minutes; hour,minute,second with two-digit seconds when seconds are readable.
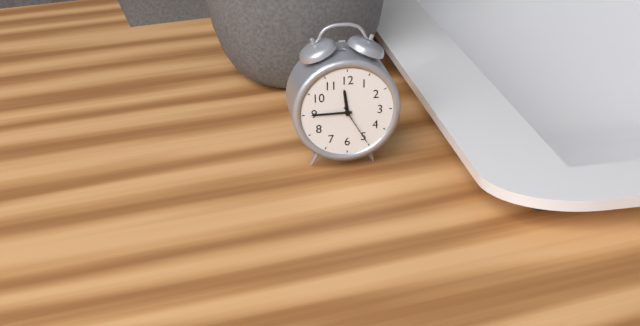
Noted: 11,45
